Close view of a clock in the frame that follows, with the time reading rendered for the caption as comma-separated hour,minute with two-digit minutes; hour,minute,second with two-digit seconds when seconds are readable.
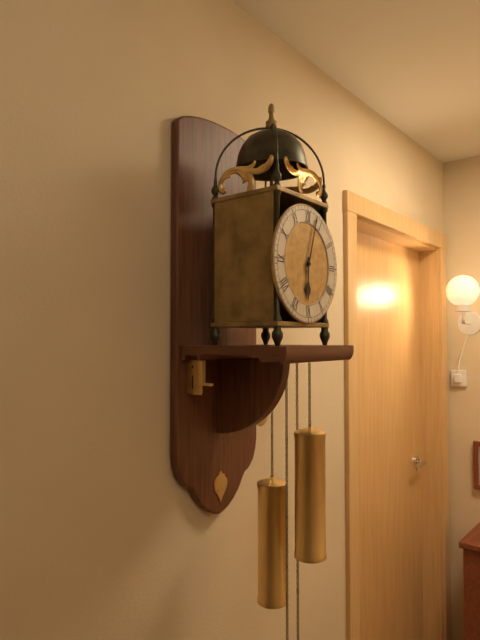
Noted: 6,03
